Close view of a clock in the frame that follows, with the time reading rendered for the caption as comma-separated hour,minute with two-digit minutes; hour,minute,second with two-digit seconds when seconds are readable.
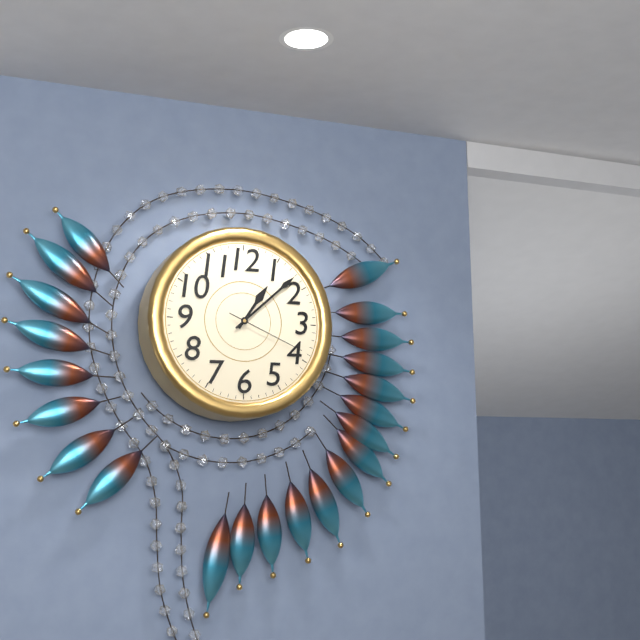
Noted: 1,08,19
